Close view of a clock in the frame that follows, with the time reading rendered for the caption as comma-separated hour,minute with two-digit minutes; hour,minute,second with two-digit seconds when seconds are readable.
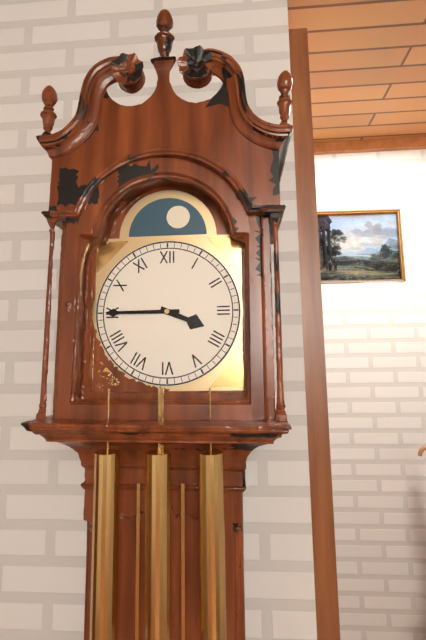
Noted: 3,45
